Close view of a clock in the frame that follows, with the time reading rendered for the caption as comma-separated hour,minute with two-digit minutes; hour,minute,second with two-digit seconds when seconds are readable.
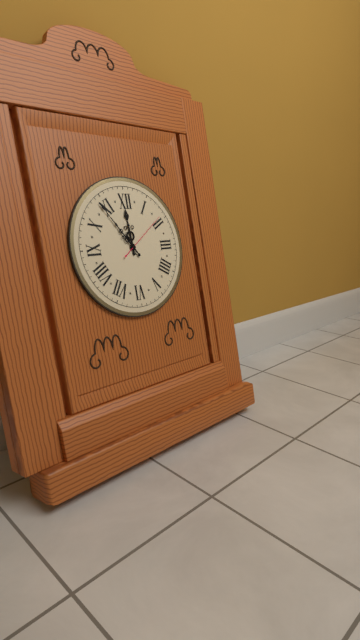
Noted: 11,54,09
